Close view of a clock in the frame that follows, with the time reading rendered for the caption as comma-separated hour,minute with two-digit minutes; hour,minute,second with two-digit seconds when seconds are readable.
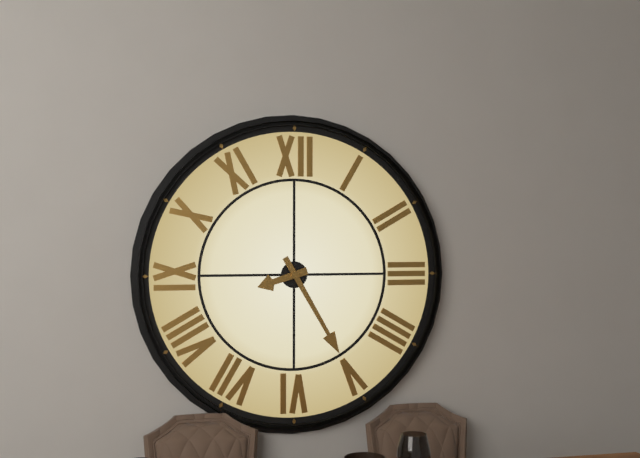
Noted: 8,25
